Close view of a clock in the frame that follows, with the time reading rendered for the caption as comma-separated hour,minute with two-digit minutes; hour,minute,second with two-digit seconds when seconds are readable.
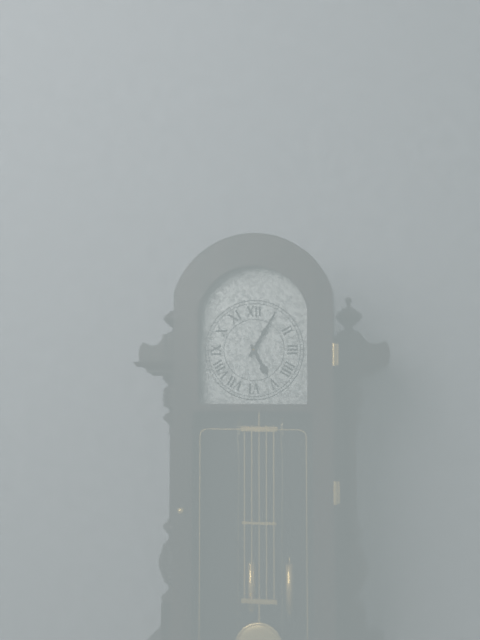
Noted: 5,05
